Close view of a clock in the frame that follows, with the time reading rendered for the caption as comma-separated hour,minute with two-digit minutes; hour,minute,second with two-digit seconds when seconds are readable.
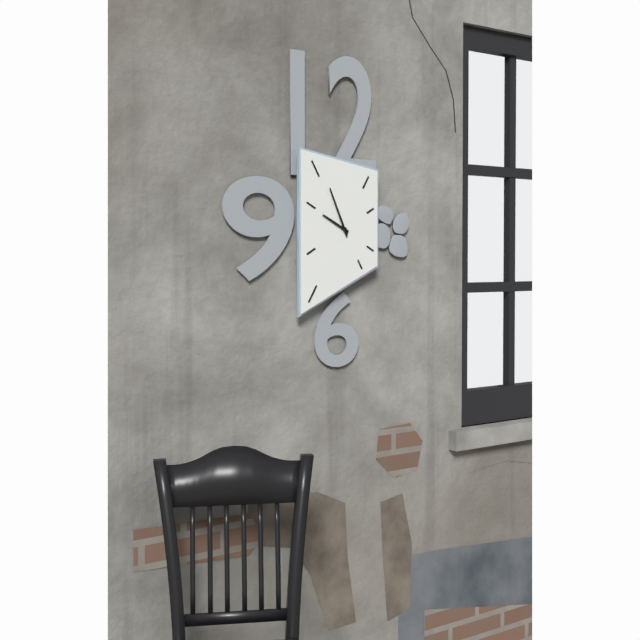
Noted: 9,56
